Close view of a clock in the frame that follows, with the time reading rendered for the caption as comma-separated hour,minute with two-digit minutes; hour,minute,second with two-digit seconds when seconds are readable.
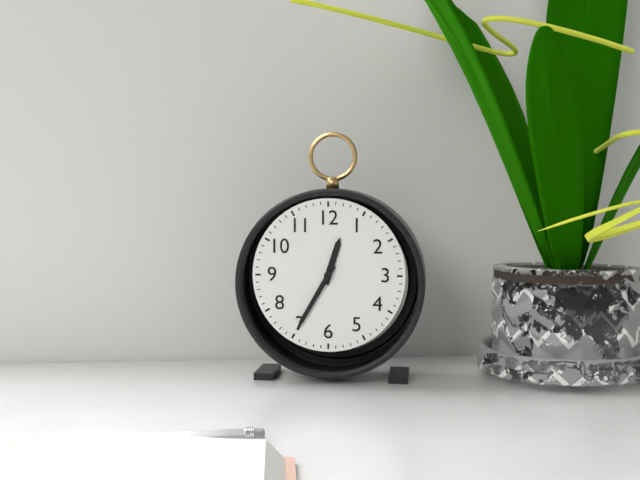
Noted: 12,35
